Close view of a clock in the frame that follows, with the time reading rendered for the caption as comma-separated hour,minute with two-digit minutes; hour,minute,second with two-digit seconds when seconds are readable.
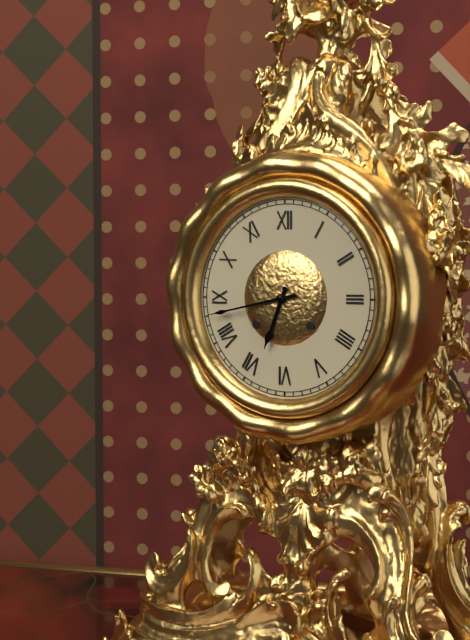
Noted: 6,43
